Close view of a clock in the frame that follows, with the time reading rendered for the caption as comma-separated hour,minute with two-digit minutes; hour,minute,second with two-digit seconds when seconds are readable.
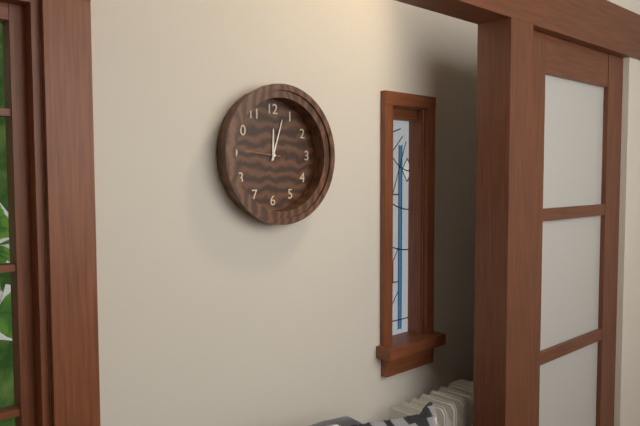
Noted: 12,03
